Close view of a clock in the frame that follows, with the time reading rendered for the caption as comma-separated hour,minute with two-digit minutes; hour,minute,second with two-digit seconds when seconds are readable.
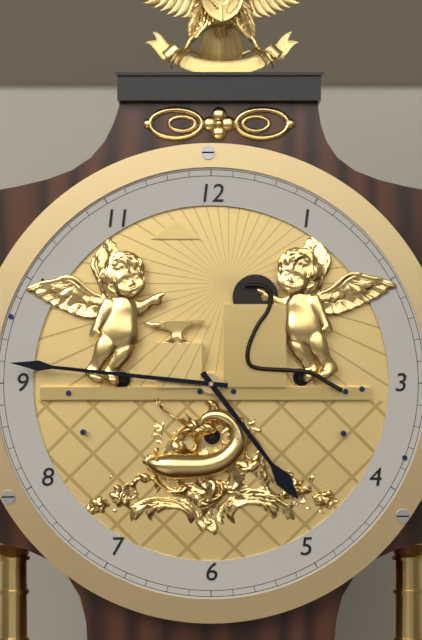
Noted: 4,46
